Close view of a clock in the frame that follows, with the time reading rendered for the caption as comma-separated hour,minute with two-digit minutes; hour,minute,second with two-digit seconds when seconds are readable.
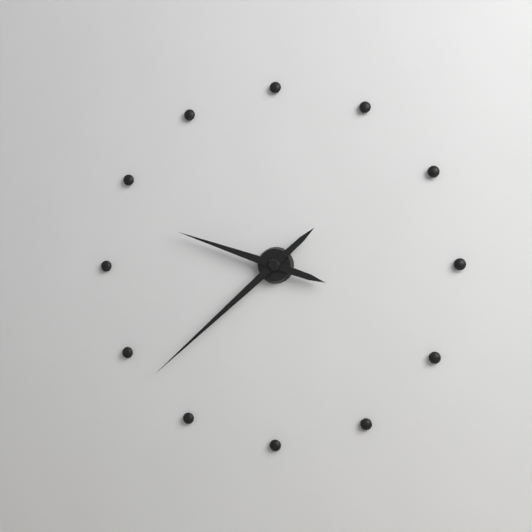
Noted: 9,38
